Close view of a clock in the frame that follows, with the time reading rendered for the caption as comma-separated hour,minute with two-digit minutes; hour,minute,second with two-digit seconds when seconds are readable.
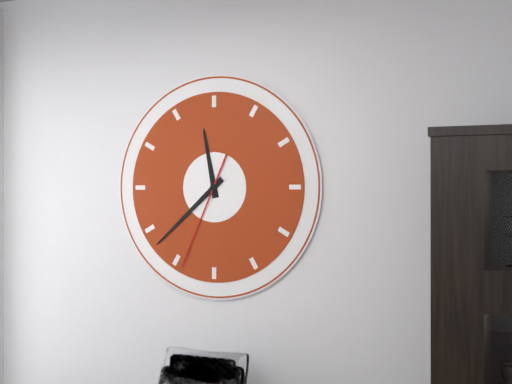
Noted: 11,38,34
